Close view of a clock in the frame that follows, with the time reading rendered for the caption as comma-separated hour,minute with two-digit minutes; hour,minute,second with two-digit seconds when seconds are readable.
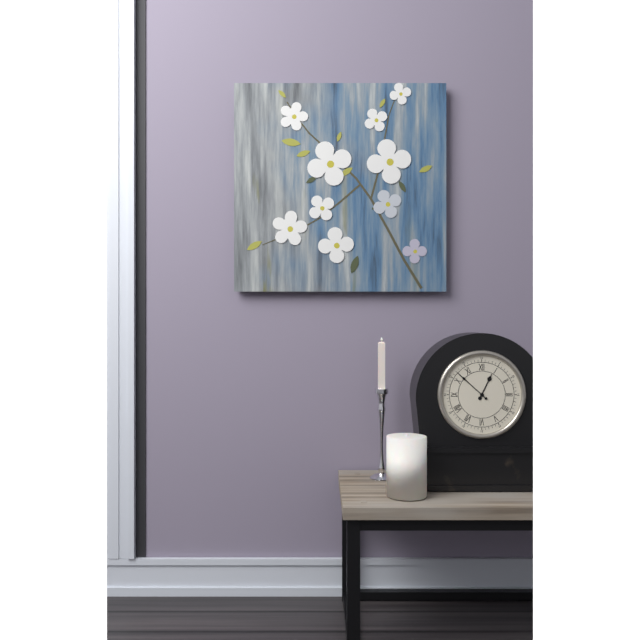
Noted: 12,52
